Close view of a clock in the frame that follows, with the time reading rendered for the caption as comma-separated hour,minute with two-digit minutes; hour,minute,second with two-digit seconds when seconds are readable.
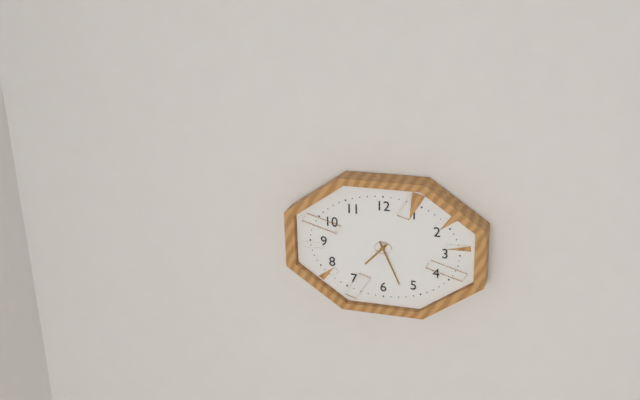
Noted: 7,26
